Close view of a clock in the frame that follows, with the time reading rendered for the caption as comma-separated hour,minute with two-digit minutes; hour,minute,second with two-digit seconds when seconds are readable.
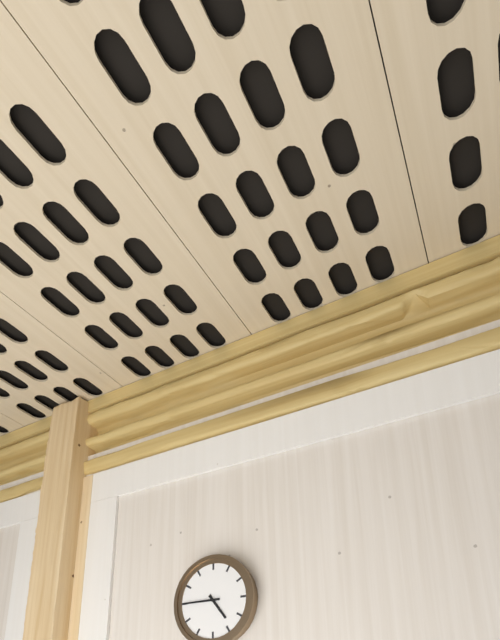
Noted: 4,45
